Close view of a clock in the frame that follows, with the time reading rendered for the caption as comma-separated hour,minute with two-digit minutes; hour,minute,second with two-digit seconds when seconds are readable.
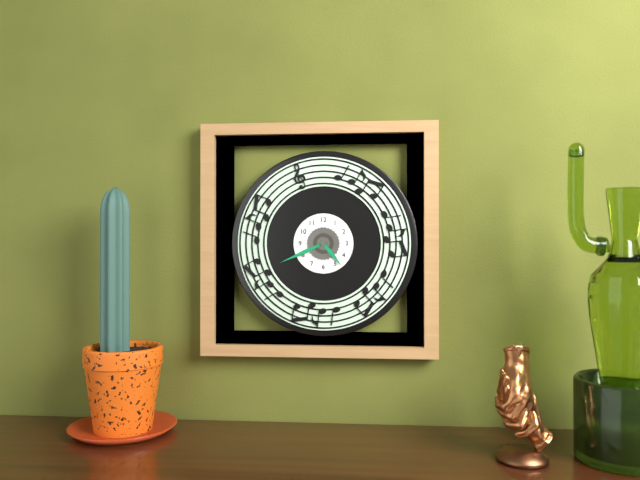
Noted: 4,41
